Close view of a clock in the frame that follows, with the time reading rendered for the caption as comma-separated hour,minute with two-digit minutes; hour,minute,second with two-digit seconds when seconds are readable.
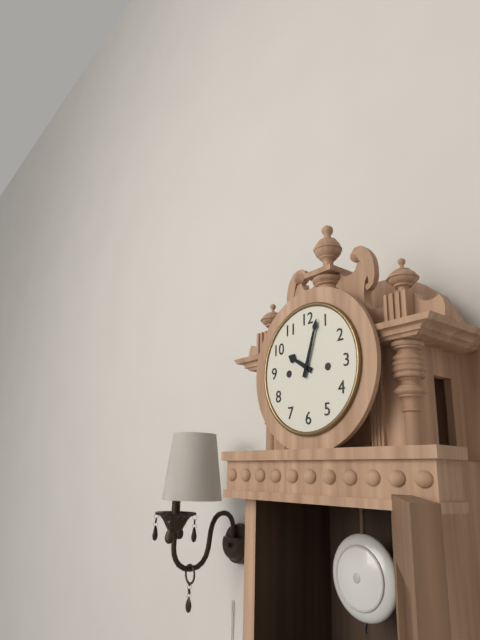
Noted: 10,03
